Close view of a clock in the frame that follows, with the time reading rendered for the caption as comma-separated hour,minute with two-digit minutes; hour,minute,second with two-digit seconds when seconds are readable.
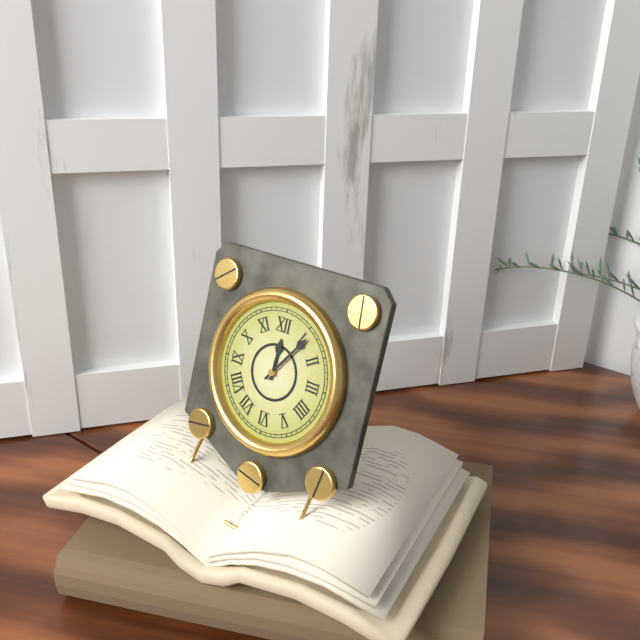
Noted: 12,06
